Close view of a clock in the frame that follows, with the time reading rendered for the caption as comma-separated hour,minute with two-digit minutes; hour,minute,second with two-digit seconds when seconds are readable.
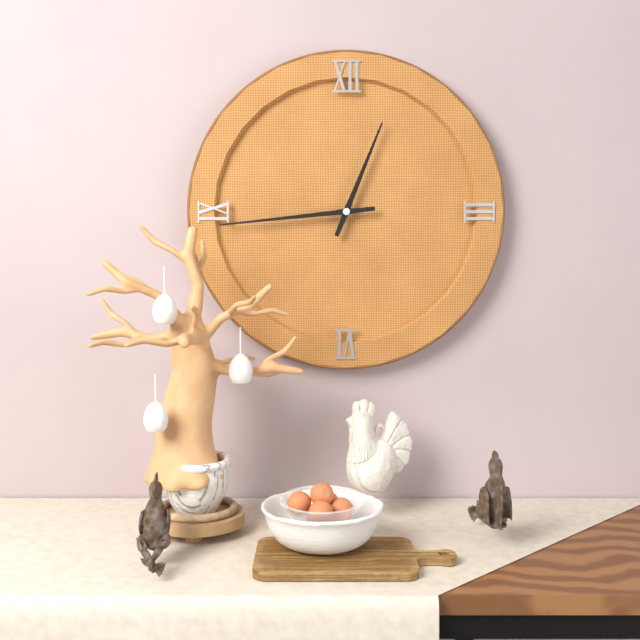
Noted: 12,44
